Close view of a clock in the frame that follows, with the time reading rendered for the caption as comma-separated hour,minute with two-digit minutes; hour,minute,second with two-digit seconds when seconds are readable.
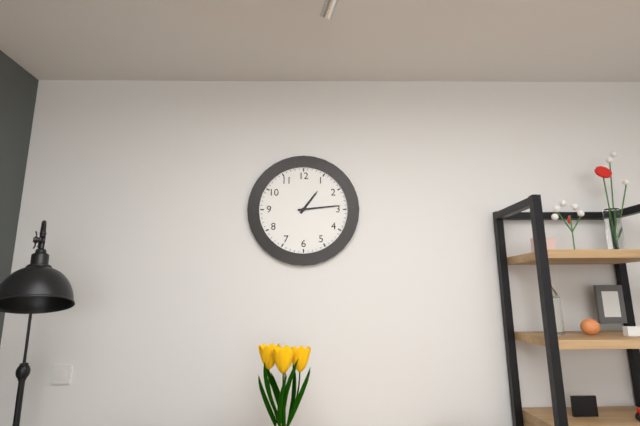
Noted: 1,14
